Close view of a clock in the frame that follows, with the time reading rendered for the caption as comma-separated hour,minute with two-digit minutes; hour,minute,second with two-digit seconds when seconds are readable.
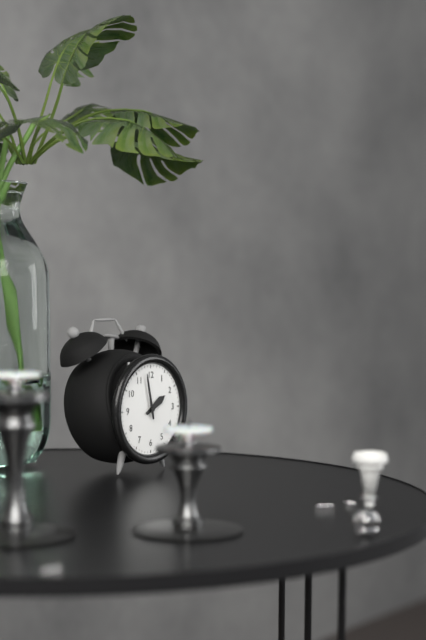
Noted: 1,58
